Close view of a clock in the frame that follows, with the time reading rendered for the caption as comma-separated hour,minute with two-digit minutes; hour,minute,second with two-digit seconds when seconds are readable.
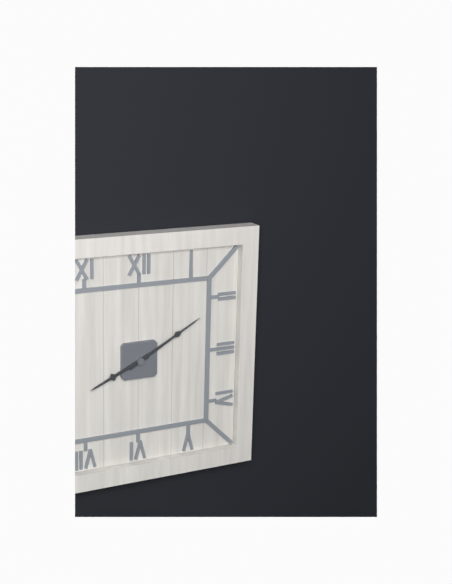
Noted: 8,10
